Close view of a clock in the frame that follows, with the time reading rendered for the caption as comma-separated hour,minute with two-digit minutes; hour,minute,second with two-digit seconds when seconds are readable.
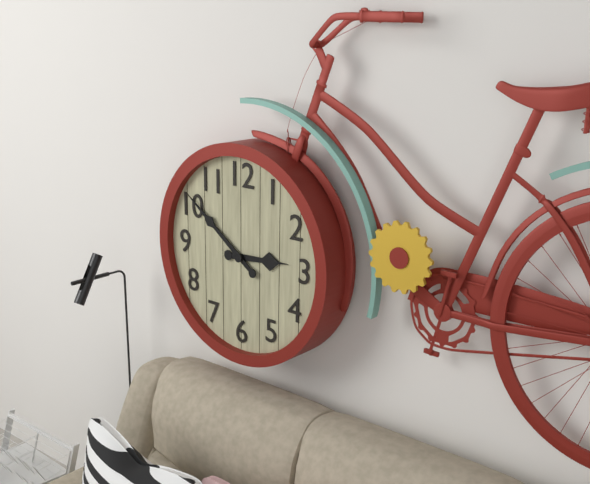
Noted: 2,51
